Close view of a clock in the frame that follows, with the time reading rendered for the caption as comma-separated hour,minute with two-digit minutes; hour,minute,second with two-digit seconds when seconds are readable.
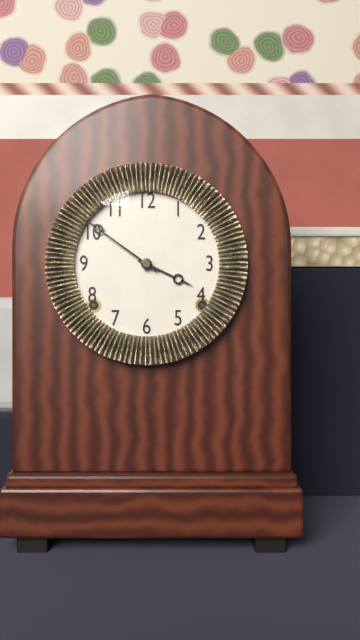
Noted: 3,51
